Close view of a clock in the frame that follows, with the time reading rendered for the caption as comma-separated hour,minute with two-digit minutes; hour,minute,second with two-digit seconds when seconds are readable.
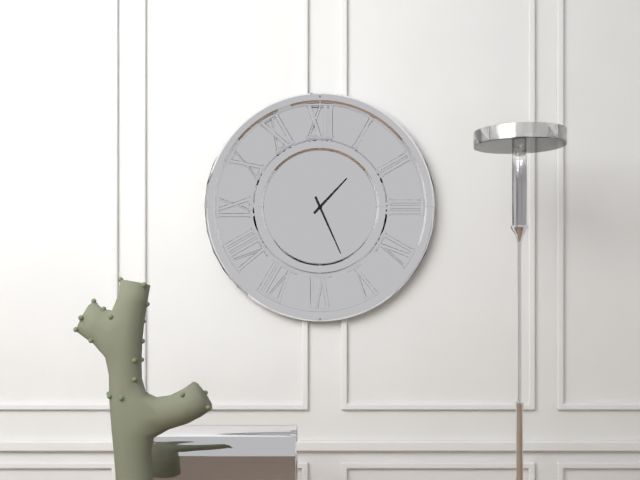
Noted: 1,26
